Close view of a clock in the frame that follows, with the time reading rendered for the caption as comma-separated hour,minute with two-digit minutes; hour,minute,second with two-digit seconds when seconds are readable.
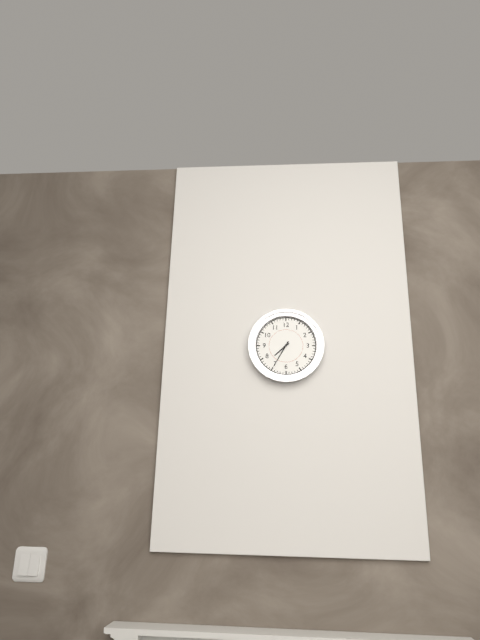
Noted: 7,35
